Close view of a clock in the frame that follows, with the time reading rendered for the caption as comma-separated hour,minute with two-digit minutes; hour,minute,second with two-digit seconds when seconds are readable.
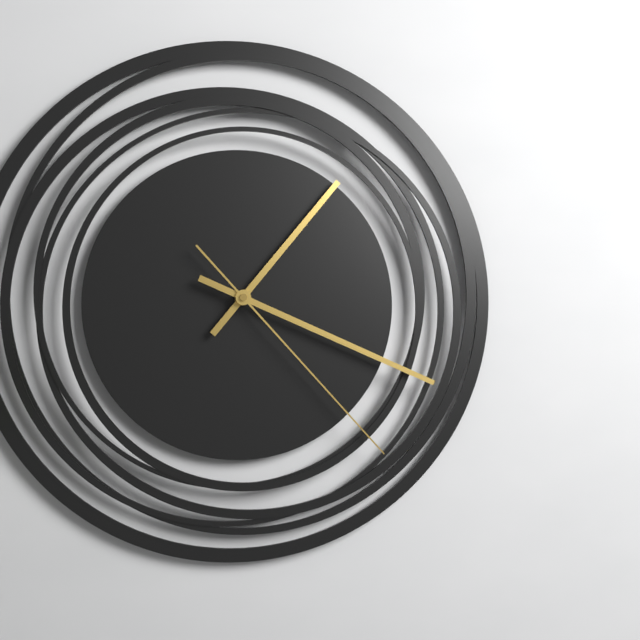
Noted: 1,19,23
